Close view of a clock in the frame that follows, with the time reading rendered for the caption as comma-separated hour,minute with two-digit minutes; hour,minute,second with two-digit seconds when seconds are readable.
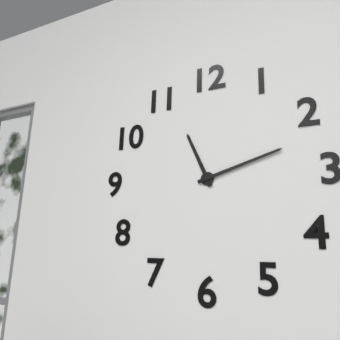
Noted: 11,12
